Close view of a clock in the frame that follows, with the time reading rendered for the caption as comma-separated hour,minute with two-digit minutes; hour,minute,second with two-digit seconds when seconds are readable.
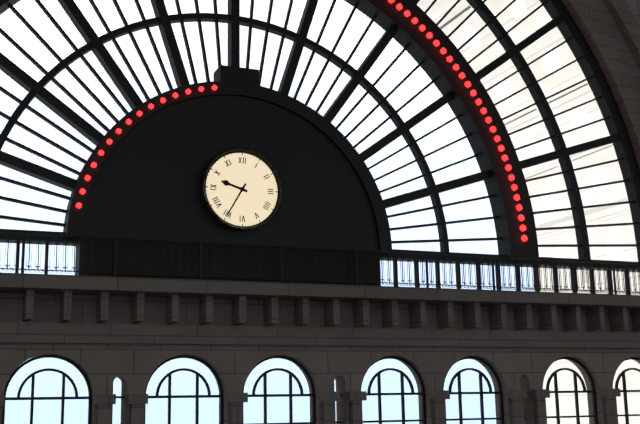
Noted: 9,35
